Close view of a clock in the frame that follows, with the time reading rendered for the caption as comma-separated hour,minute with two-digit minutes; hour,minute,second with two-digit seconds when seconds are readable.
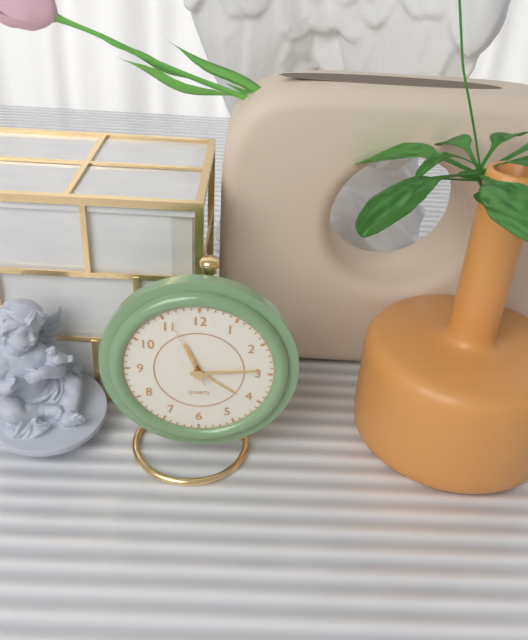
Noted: 11,14,56
